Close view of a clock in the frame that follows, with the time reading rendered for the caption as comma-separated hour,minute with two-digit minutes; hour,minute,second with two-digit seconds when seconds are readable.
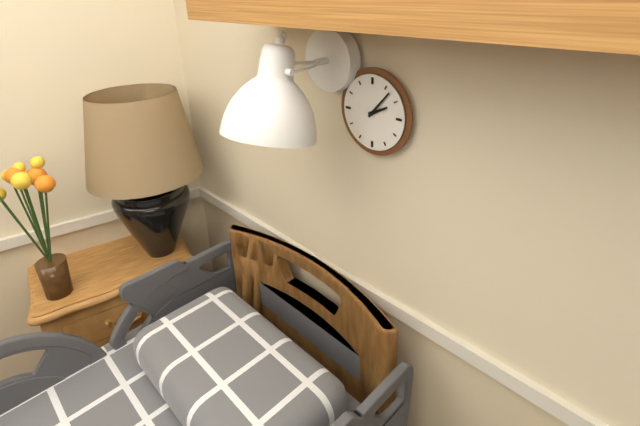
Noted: 2,07
